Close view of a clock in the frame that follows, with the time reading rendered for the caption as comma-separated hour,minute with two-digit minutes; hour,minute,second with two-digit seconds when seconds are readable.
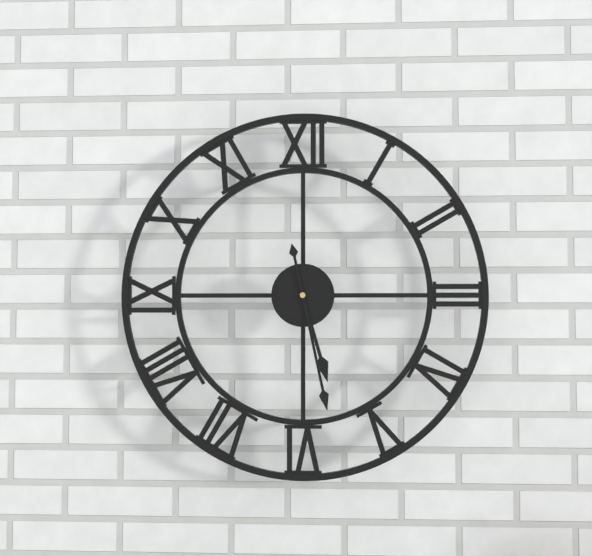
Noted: 5,28
